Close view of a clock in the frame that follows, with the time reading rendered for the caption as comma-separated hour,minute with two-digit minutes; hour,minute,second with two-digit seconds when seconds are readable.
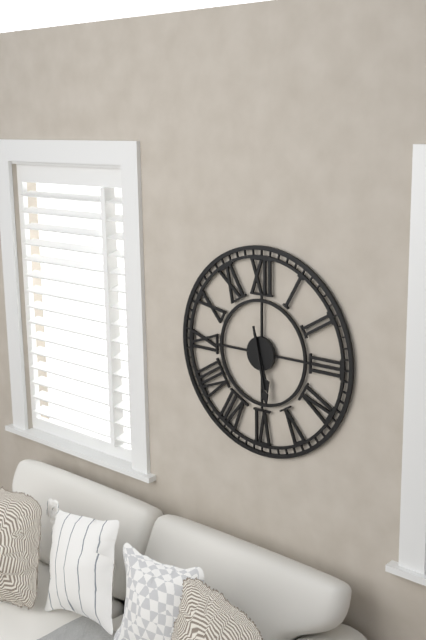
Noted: 5,28
